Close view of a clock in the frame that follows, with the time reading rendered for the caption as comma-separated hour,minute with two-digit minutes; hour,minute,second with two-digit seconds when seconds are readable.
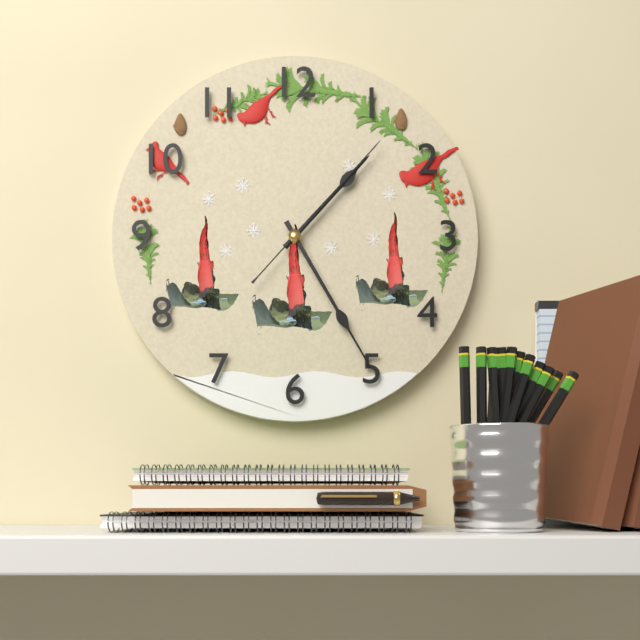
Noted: 1,25,07
